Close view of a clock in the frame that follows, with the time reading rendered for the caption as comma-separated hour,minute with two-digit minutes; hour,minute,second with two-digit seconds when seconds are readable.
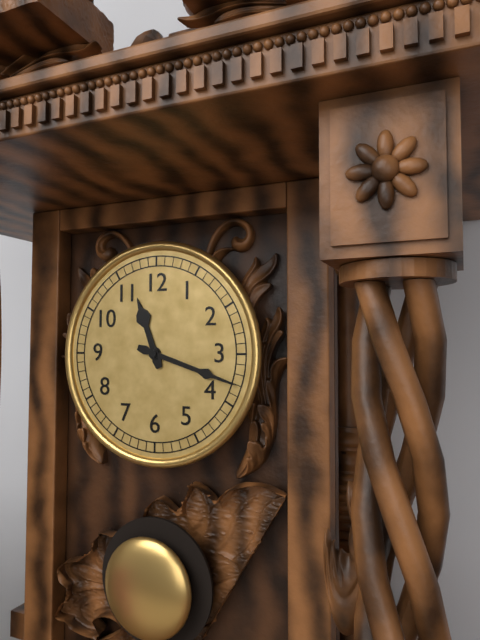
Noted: 11,18
